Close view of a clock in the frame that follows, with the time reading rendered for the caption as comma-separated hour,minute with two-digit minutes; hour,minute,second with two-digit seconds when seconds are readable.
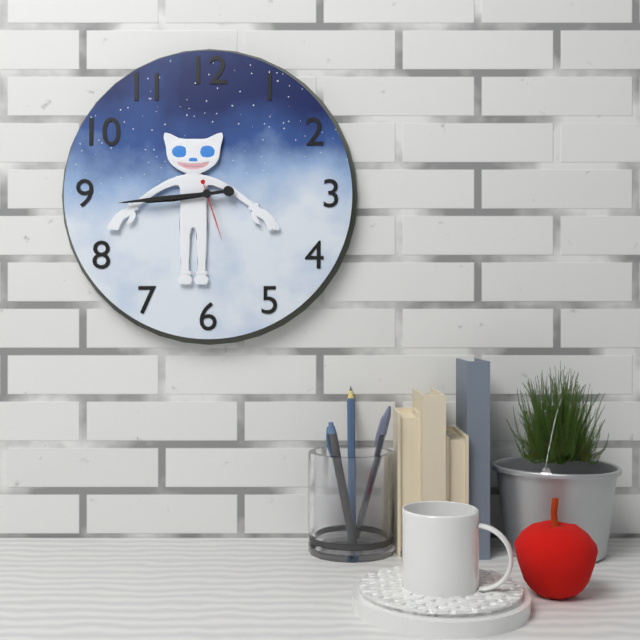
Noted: 8,44,27
